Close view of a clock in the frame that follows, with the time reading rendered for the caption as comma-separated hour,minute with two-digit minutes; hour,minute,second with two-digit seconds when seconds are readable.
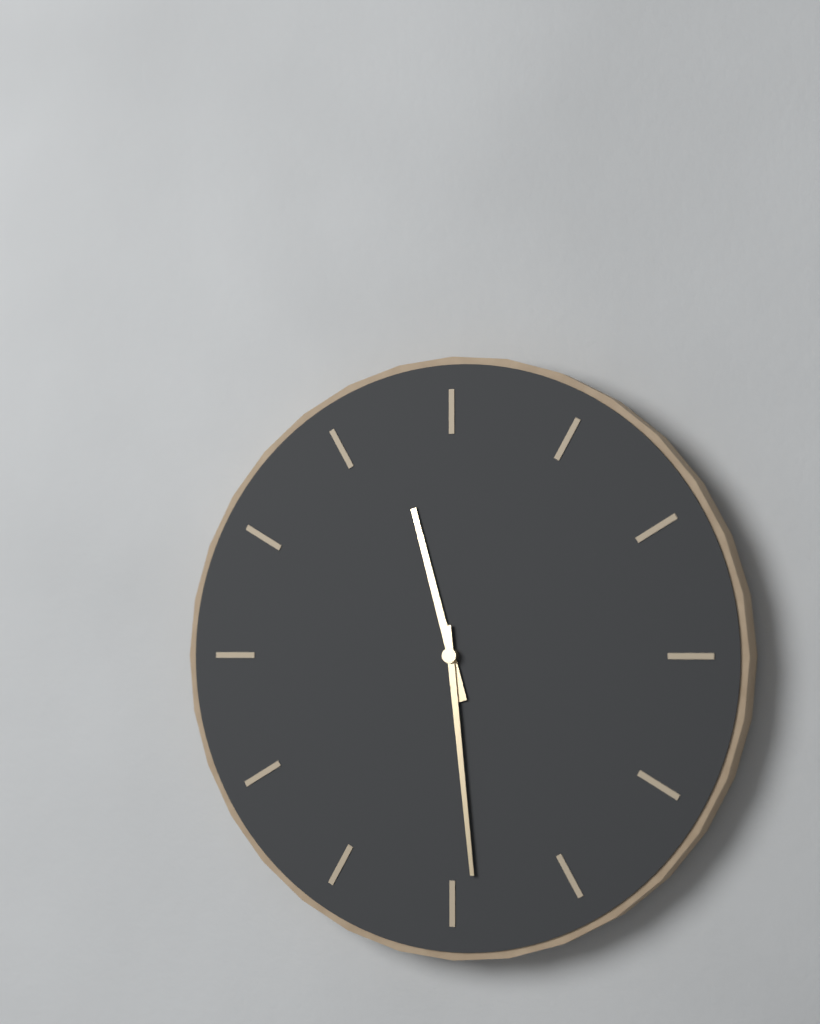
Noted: 11,29
